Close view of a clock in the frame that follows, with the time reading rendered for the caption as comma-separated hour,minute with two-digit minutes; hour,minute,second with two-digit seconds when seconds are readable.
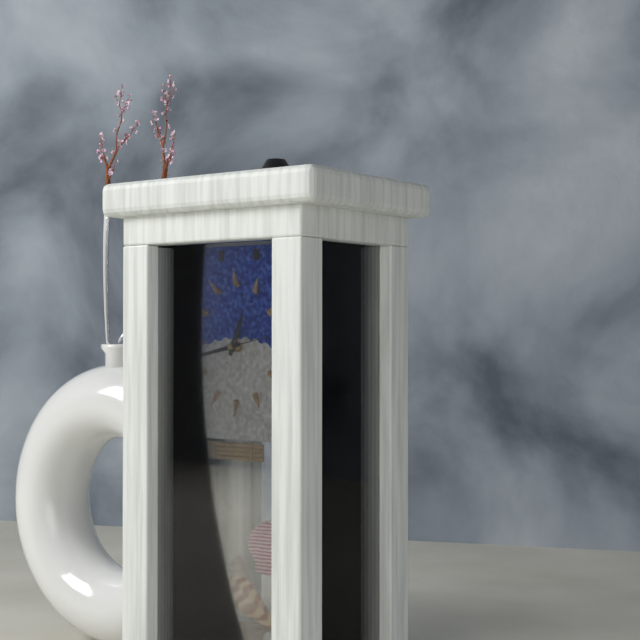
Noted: 12,43
